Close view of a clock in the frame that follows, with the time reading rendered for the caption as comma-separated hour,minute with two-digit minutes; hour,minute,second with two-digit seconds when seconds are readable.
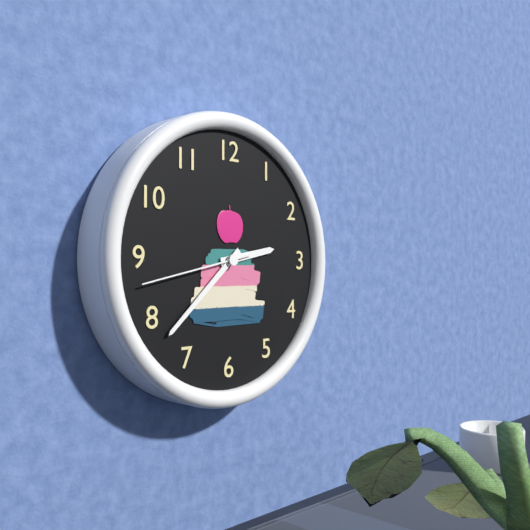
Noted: 2,38,43
